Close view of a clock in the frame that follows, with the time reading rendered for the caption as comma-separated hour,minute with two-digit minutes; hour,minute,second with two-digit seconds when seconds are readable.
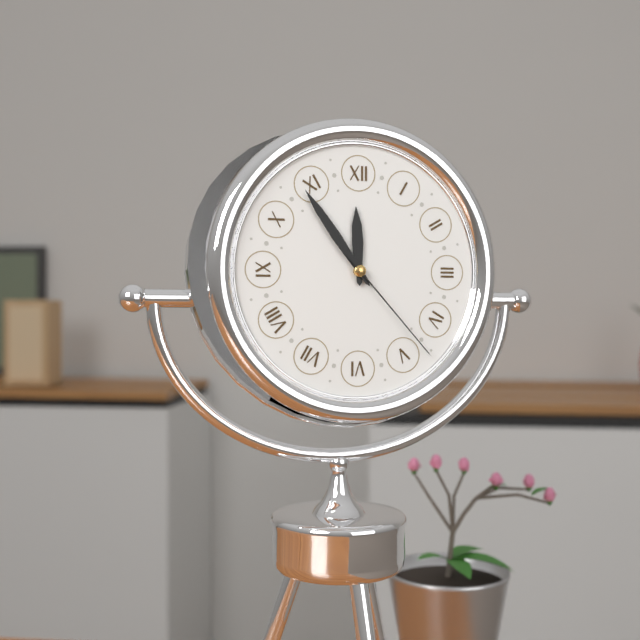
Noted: 11,54,23
